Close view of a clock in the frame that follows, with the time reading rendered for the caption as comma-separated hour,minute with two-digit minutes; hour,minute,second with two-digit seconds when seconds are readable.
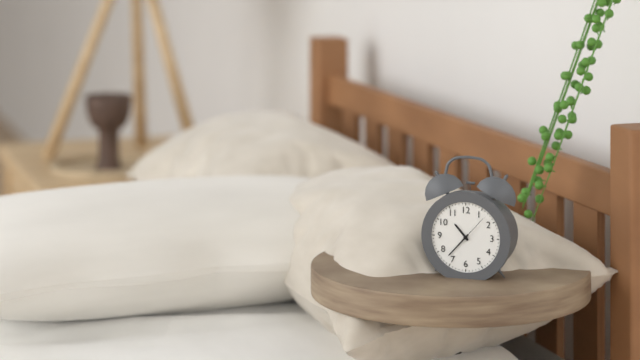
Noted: 10,37
